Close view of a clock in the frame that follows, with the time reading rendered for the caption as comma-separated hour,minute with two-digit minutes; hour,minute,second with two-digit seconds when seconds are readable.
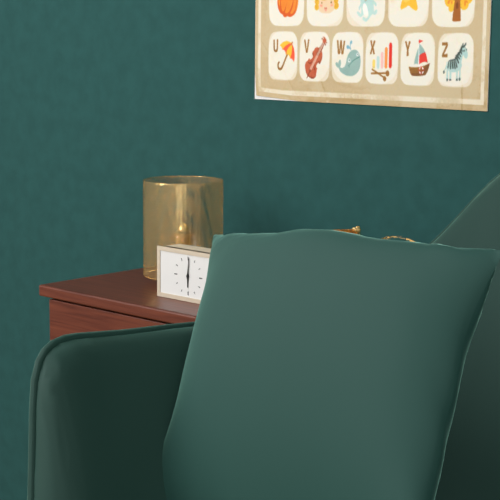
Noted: 6,01
